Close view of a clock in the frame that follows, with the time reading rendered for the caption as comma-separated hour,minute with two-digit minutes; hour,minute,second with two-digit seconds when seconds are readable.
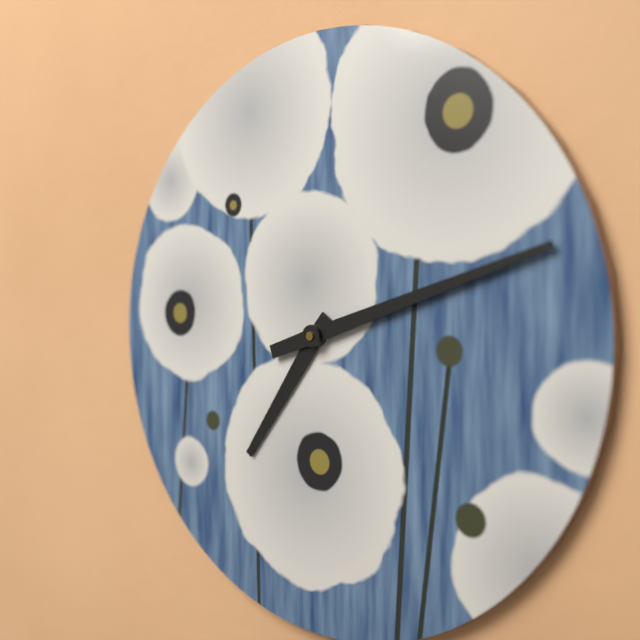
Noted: 7,12
